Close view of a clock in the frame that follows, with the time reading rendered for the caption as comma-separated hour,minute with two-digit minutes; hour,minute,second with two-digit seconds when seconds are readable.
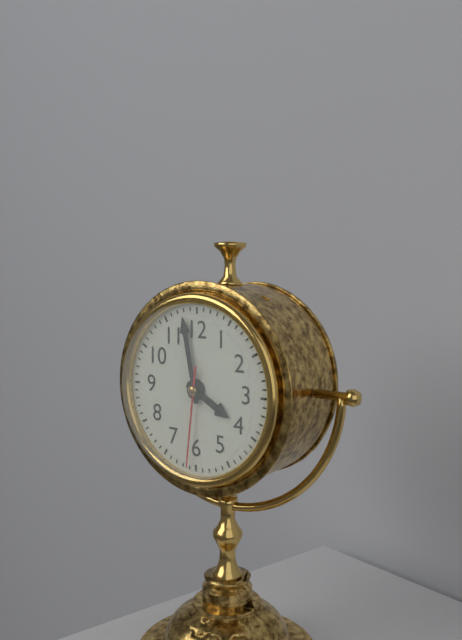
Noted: 3,58,31
